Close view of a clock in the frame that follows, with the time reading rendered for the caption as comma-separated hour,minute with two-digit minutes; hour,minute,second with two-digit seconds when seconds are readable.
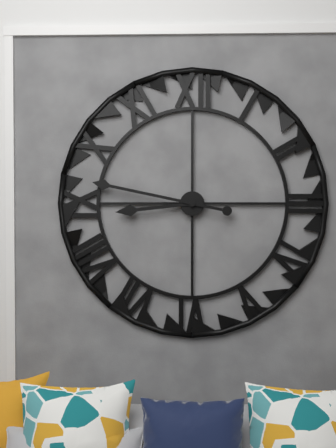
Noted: 8,47
